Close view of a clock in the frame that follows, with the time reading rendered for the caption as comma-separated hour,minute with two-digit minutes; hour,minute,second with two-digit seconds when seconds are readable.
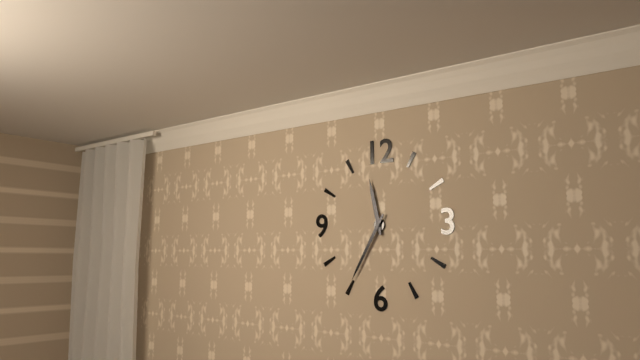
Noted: 11,35
